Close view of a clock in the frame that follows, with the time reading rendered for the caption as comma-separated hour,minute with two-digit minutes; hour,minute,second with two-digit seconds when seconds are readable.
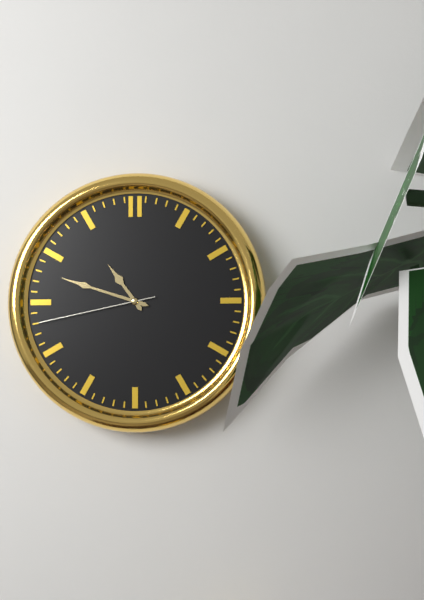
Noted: 10,48,43
